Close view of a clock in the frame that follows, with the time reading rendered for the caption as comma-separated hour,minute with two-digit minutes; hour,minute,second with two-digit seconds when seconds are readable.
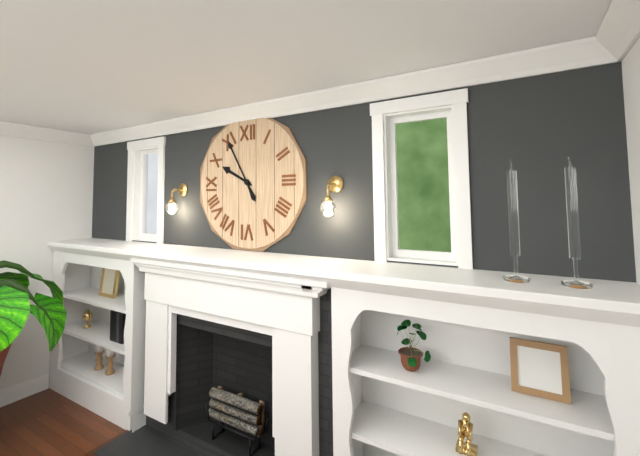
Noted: 9,55
